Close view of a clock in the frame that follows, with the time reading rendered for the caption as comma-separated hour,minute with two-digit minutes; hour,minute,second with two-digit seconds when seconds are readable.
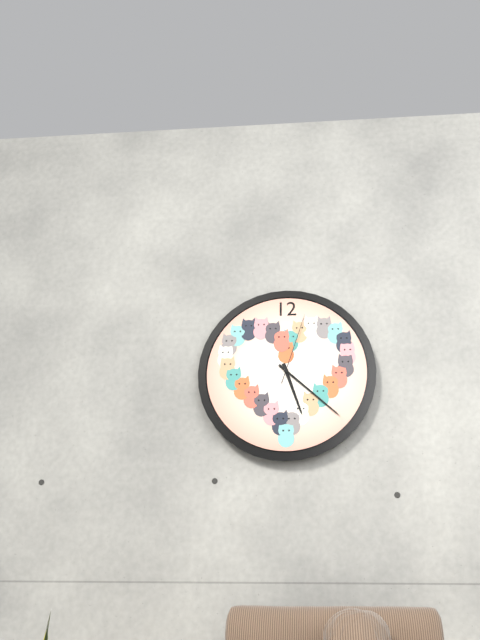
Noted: 5,22,03
